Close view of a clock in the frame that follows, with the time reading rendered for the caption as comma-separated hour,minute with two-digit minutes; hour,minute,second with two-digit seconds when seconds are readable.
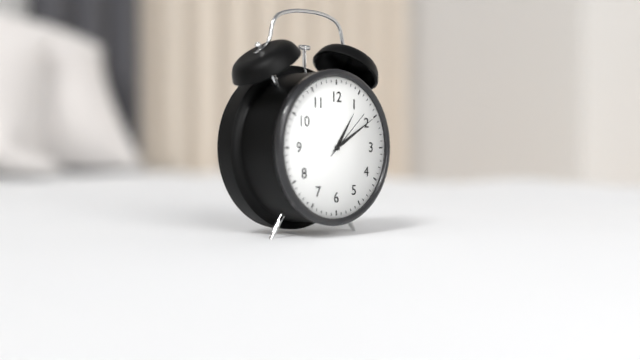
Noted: 1,10,08
